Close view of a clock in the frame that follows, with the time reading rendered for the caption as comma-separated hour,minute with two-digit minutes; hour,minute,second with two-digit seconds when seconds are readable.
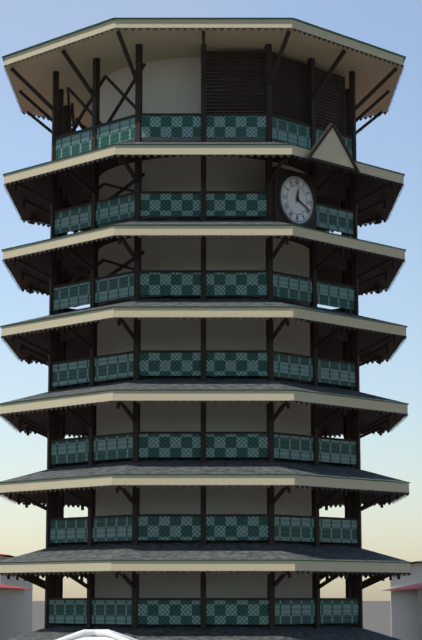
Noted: 12,19
